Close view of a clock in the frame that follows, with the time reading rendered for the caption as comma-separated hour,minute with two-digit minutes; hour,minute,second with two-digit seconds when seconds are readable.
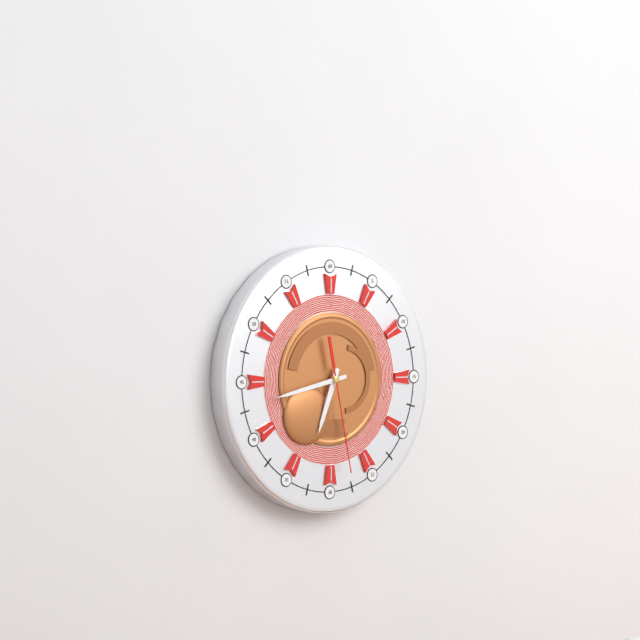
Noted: 6,43,28
